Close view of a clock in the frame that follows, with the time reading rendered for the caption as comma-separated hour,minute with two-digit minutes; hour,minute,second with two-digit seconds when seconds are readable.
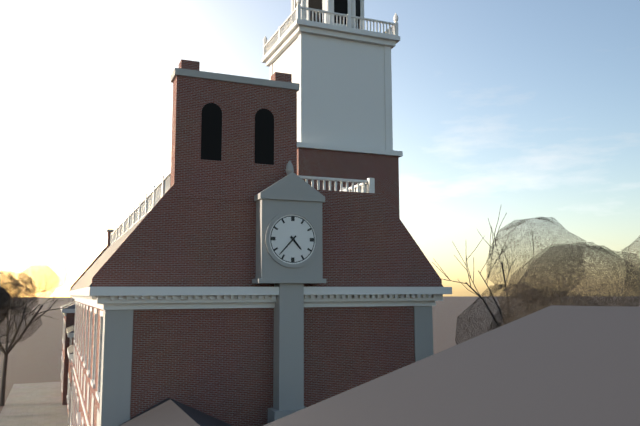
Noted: 4,37
